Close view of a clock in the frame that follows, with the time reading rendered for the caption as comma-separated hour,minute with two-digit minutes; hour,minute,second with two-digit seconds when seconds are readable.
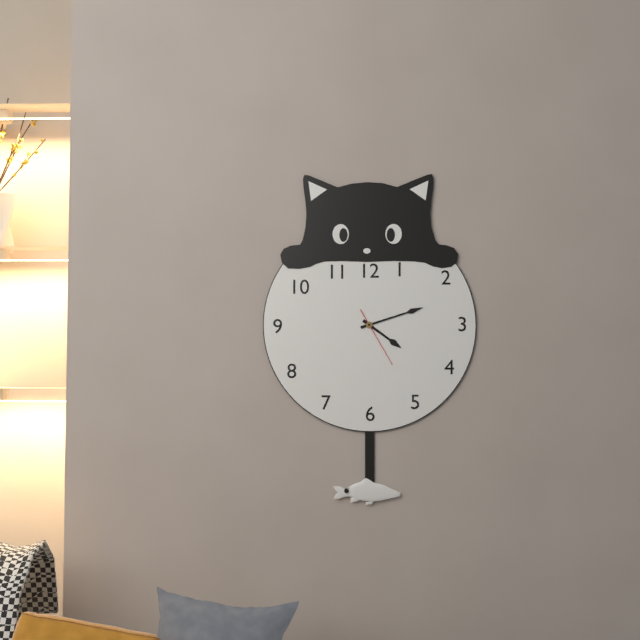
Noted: 4,12,25
